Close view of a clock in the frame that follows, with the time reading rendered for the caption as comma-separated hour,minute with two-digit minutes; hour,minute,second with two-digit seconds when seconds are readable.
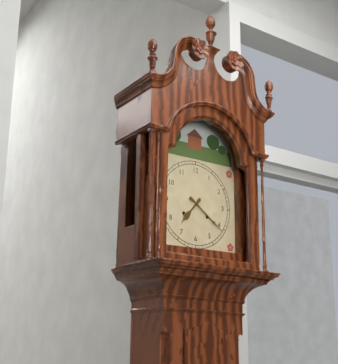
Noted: 7,21
